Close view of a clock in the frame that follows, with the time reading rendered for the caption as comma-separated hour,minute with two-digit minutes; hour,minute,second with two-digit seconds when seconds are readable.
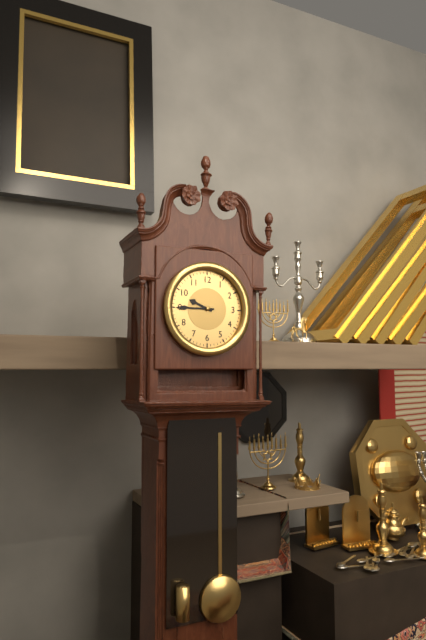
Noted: 9,45
